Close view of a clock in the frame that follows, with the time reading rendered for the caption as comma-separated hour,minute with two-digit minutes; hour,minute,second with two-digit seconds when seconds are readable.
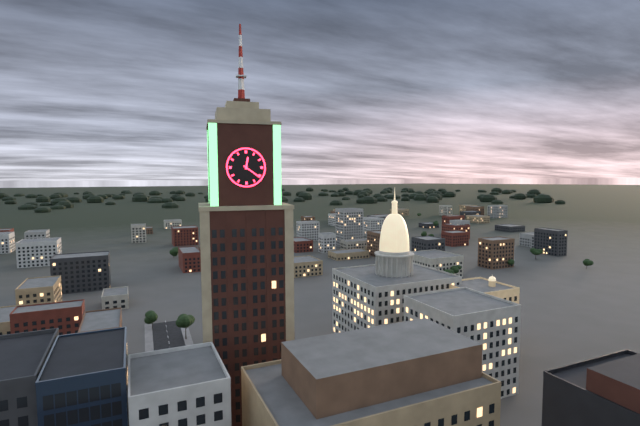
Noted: 12,21
